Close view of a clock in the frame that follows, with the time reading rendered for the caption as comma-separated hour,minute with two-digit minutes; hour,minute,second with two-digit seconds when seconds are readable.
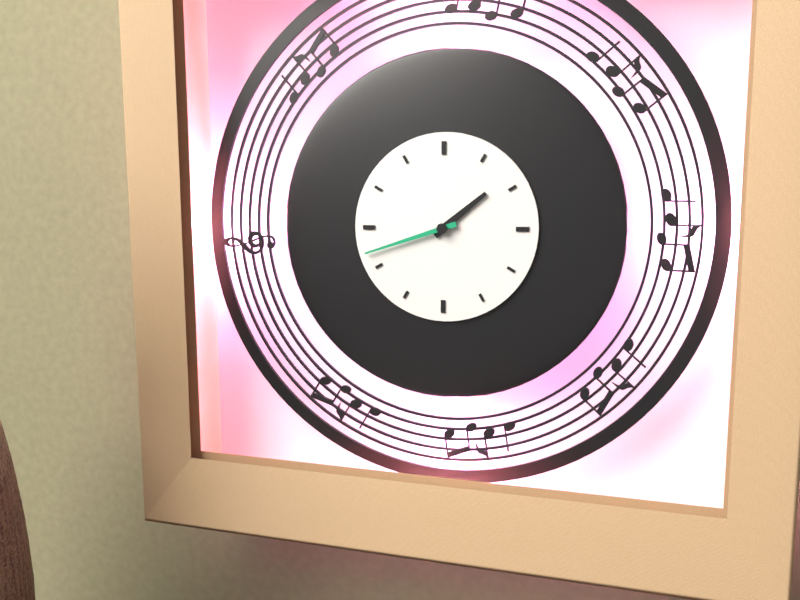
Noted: 1,42
